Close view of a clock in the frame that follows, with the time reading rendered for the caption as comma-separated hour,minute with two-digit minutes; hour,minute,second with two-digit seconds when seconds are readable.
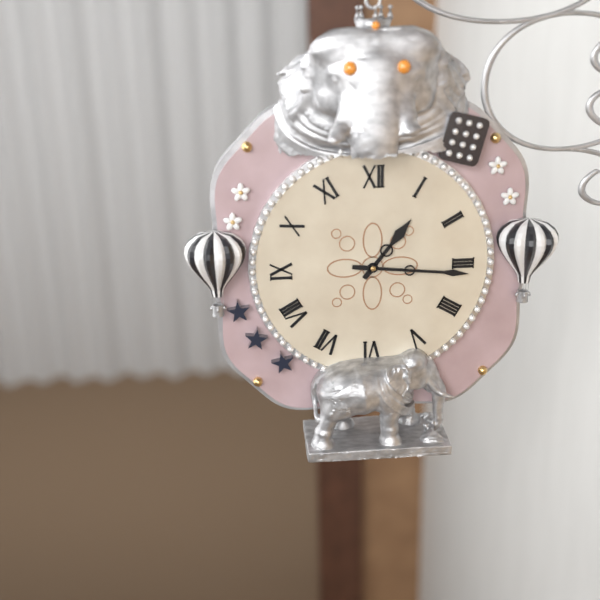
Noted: 1,16
